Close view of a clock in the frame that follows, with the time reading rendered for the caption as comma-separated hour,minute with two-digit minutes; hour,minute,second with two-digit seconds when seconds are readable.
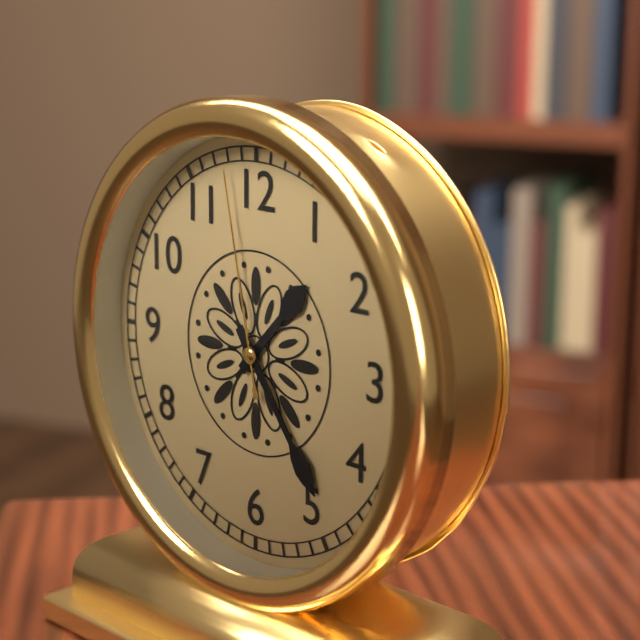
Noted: 1,24,58
